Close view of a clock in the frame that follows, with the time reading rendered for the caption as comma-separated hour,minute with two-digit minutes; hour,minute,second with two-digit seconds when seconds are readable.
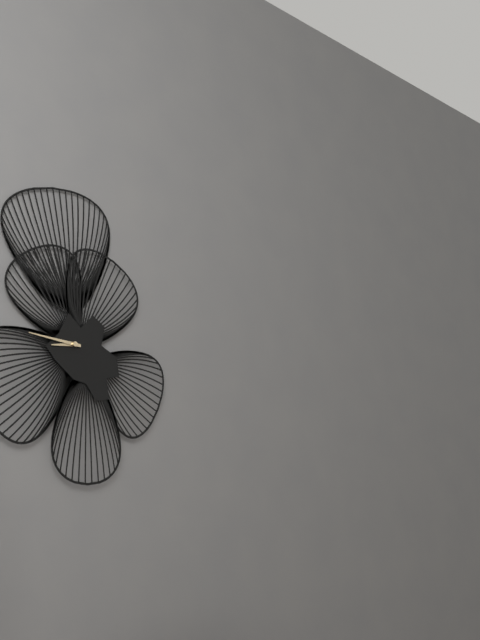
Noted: 8,46
